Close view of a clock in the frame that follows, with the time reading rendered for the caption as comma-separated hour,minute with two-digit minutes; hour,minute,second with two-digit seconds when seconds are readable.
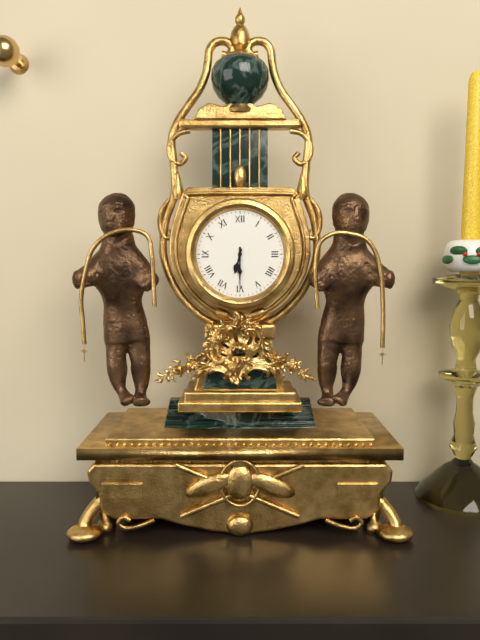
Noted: 6,30
